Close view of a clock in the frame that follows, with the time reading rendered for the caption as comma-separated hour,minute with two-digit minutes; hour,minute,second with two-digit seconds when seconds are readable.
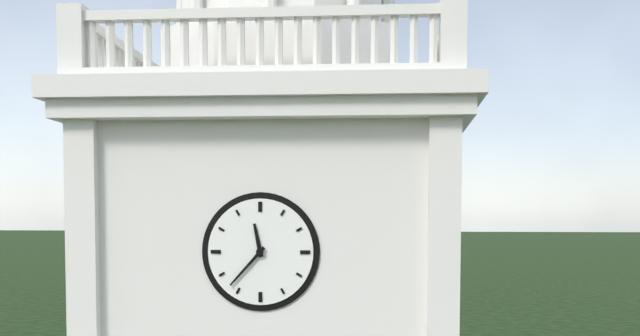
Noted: 11,37
